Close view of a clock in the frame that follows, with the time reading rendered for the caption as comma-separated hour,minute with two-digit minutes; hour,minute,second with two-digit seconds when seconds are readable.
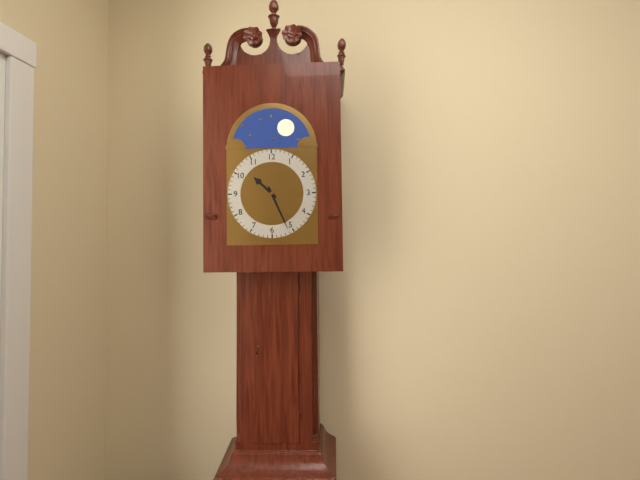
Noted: 10,26
